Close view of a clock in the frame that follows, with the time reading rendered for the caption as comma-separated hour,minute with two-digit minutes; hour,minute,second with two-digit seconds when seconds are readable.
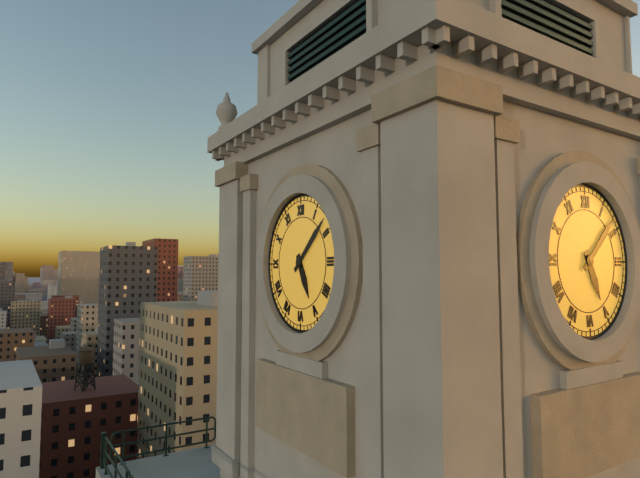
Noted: 5,08
